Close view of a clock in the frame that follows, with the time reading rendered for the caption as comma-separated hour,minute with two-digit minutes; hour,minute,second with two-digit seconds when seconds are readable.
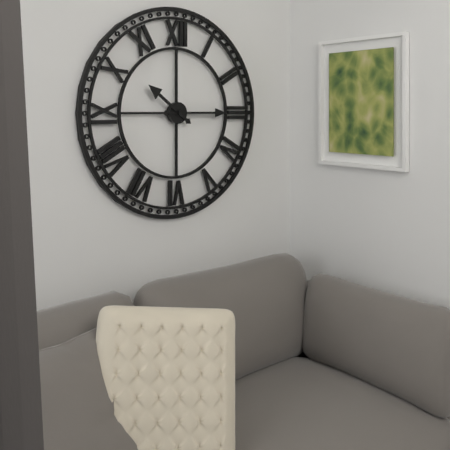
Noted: 10,15
